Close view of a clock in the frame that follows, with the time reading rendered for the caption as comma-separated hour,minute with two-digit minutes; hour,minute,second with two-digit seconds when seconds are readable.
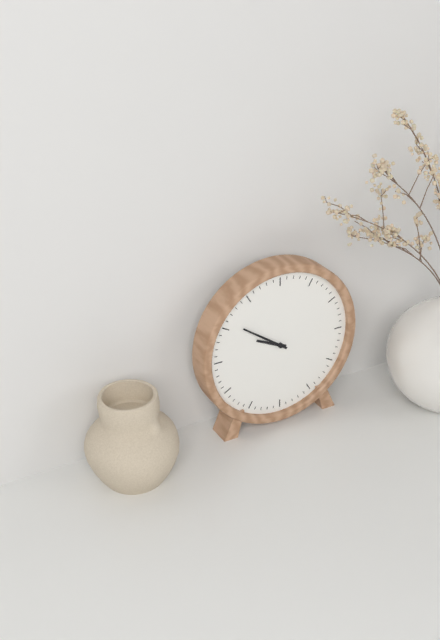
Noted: 9,51
